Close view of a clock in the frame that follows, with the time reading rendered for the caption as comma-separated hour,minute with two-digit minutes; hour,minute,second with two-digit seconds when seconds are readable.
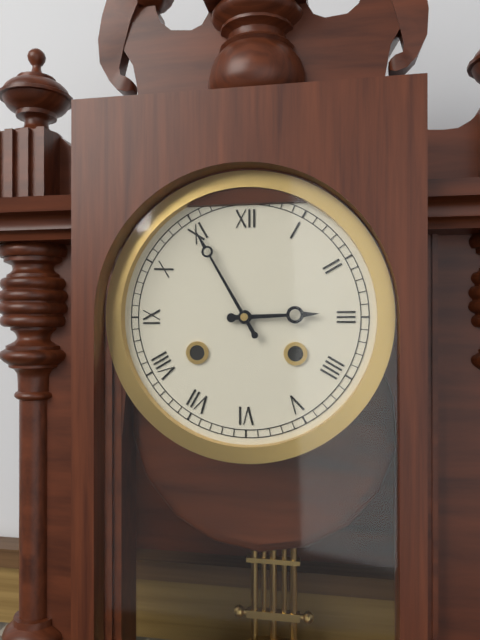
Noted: 2,55
